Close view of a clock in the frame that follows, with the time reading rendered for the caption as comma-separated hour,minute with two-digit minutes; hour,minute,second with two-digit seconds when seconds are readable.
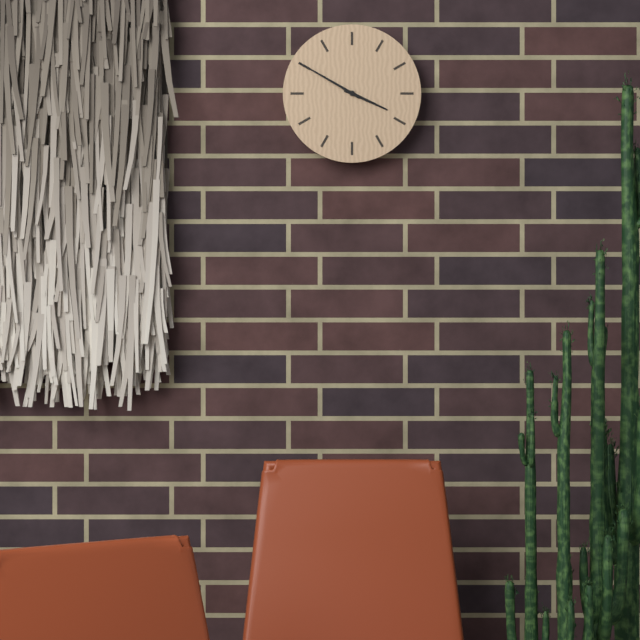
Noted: 3,50
